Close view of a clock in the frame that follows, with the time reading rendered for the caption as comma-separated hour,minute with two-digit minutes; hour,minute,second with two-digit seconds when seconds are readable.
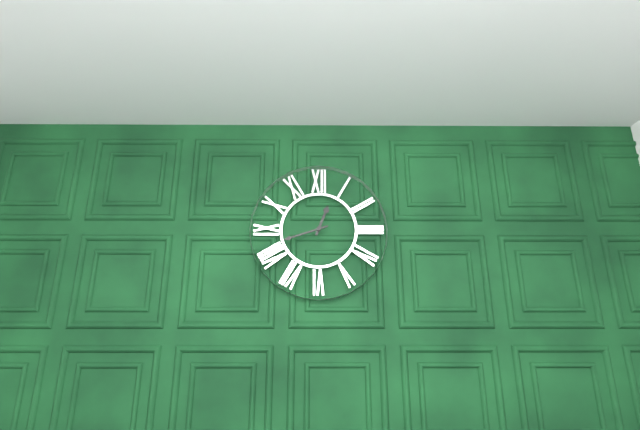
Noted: 12,42
